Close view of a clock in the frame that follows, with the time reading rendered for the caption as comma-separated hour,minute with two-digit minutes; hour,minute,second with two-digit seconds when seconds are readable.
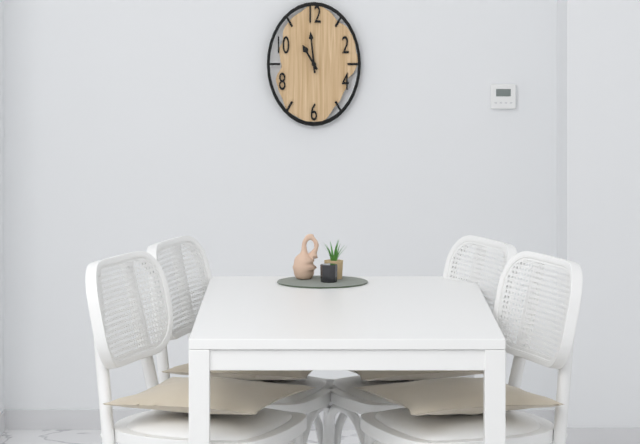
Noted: 10,59
